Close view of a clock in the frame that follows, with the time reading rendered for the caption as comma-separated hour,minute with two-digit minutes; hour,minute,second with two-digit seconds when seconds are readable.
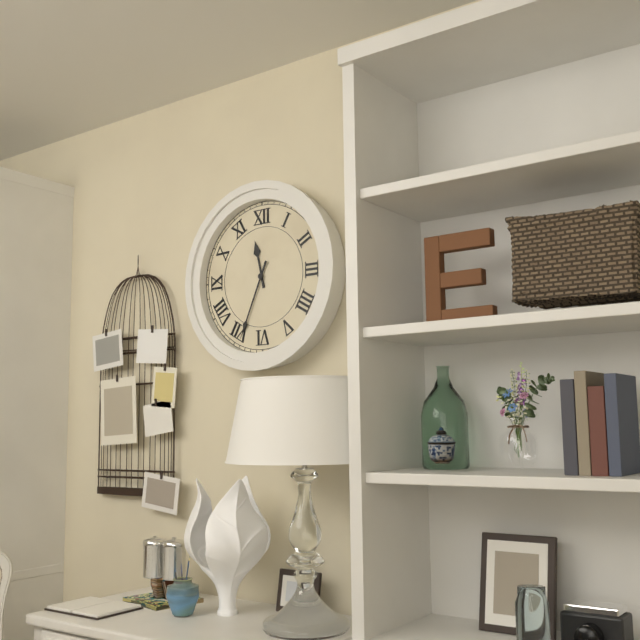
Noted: 11,34
